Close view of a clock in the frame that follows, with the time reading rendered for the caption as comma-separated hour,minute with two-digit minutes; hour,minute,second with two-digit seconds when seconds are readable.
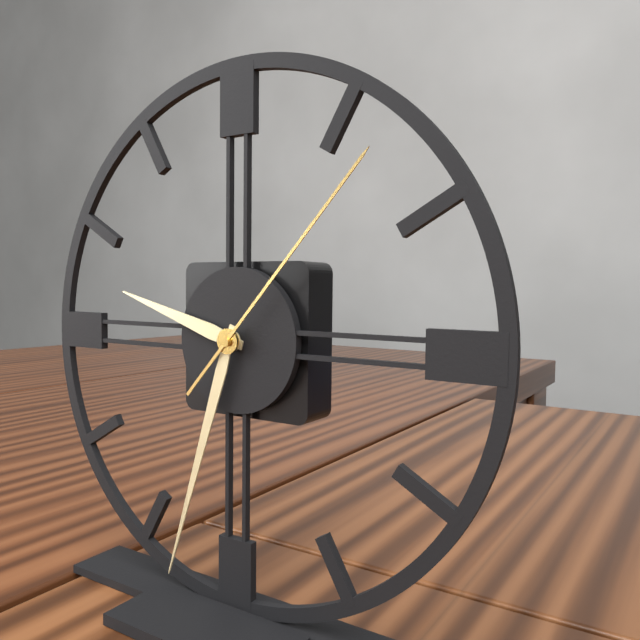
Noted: 9,33,07
